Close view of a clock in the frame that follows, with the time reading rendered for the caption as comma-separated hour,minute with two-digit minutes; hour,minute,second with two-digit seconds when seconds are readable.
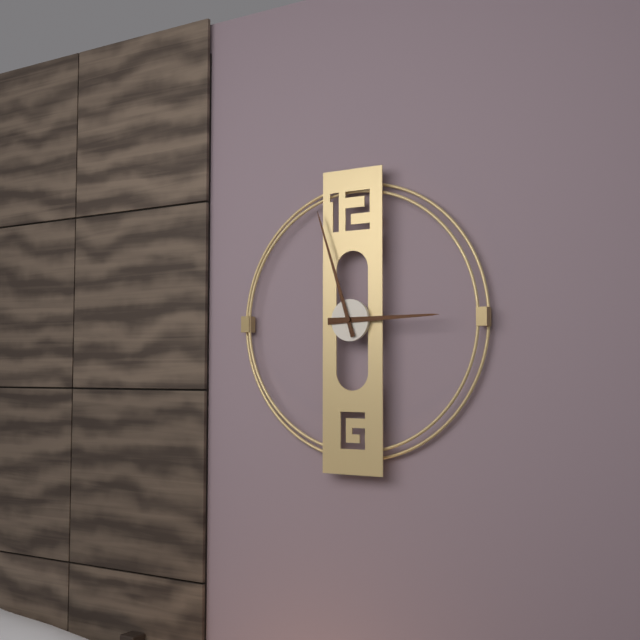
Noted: 2,57
